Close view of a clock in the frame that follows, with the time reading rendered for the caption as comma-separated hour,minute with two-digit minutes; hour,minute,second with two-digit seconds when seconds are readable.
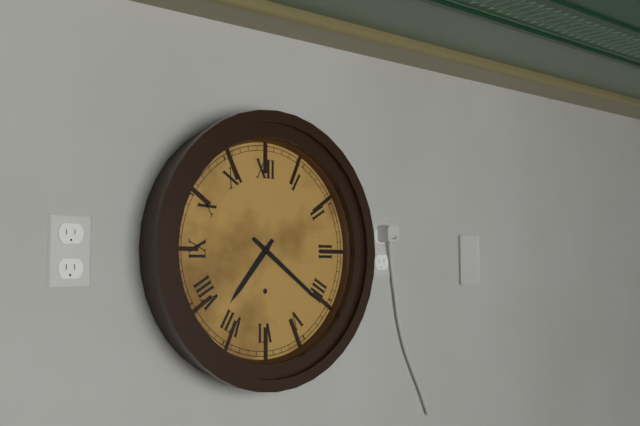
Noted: 7,21
